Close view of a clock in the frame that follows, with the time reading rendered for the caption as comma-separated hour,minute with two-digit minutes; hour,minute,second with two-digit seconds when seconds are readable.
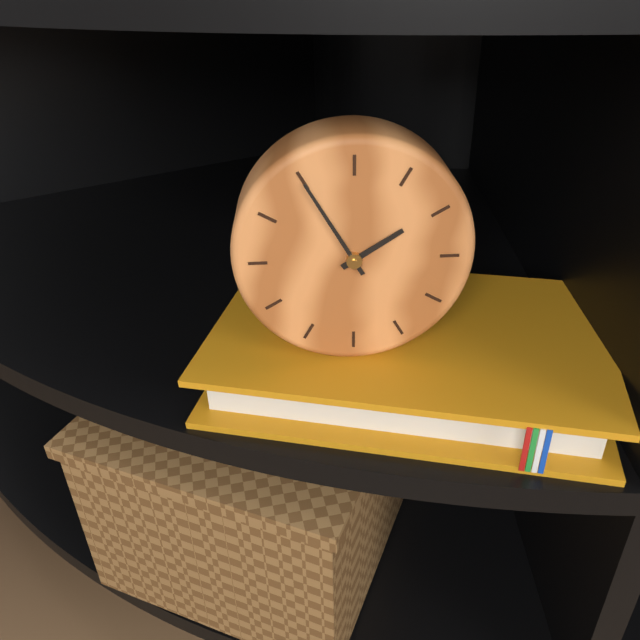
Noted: 1,55
